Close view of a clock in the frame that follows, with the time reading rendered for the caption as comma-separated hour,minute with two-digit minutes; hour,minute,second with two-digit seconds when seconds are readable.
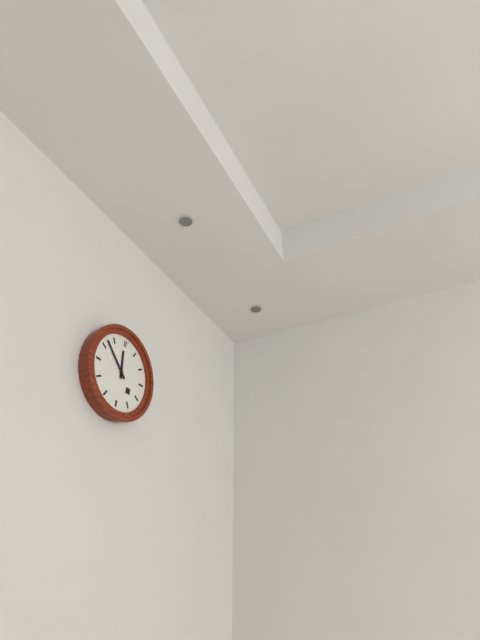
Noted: 11,52
